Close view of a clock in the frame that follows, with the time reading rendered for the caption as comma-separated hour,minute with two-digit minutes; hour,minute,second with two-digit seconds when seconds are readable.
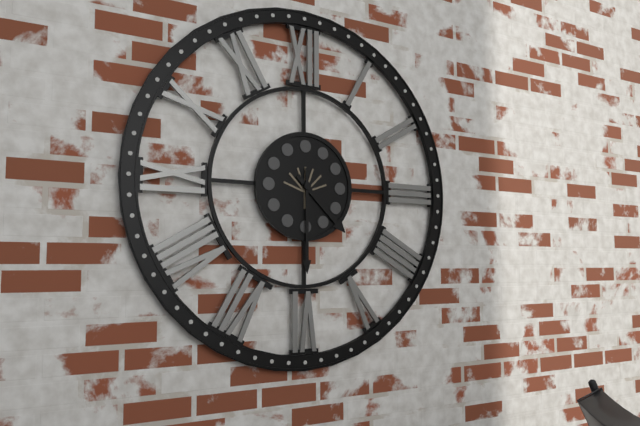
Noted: 4,30
